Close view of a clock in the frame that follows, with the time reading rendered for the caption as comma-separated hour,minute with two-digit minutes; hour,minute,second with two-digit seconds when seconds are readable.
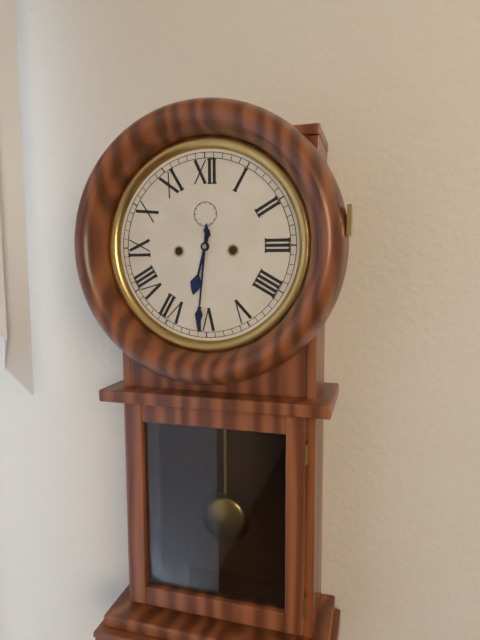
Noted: 6,31
